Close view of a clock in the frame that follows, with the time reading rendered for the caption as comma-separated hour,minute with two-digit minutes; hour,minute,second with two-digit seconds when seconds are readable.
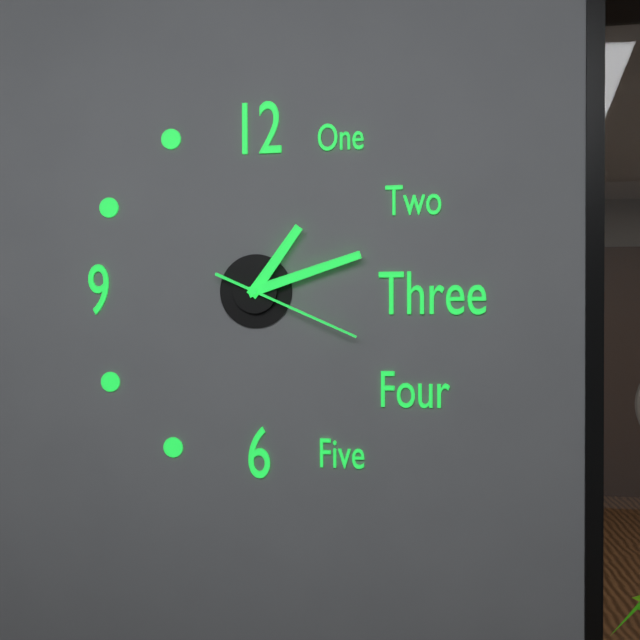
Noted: 1,12,19
